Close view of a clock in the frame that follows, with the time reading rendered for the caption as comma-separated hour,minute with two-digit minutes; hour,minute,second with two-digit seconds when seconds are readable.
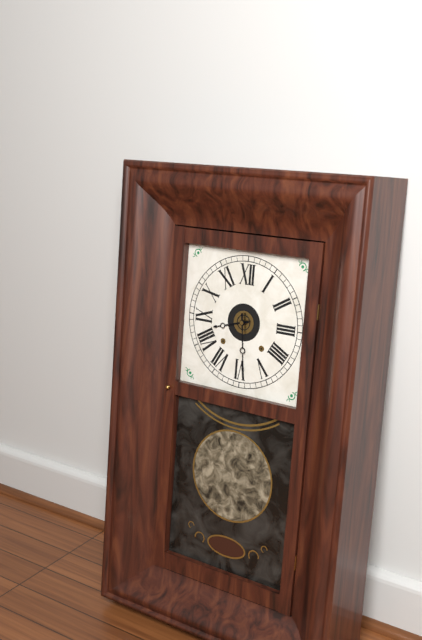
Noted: 8,29
